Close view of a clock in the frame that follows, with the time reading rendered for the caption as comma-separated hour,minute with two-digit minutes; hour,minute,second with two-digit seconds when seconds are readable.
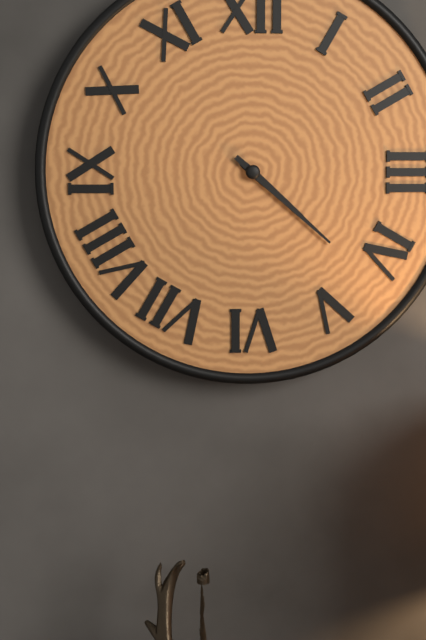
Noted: 4,22
